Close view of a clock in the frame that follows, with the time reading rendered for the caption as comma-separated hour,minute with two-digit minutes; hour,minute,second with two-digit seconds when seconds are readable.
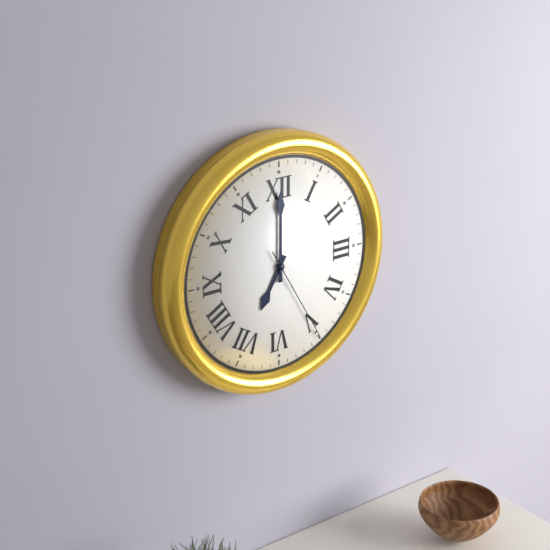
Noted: 7,00,25
